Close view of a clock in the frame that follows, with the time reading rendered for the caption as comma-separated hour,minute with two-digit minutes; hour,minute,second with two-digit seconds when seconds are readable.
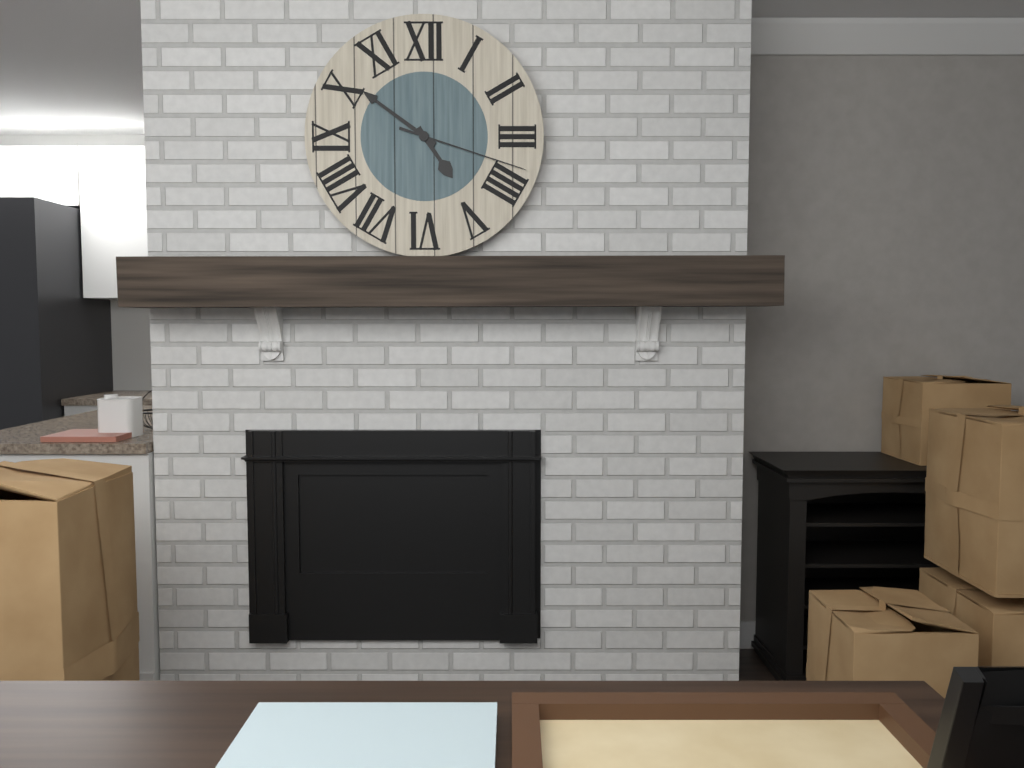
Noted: 4,51,18
